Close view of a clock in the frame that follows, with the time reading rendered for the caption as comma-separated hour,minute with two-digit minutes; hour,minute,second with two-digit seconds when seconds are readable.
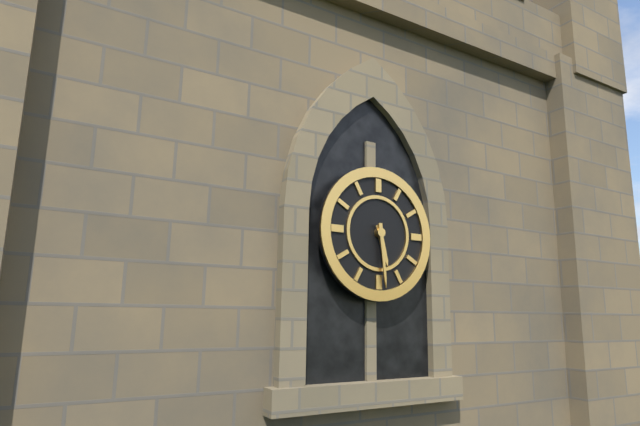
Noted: 5,29
